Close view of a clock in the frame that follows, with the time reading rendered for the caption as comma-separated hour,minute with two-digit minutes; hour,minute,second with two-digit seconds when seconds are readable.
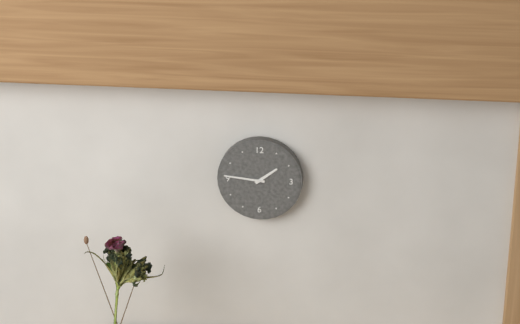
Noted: 1,46
